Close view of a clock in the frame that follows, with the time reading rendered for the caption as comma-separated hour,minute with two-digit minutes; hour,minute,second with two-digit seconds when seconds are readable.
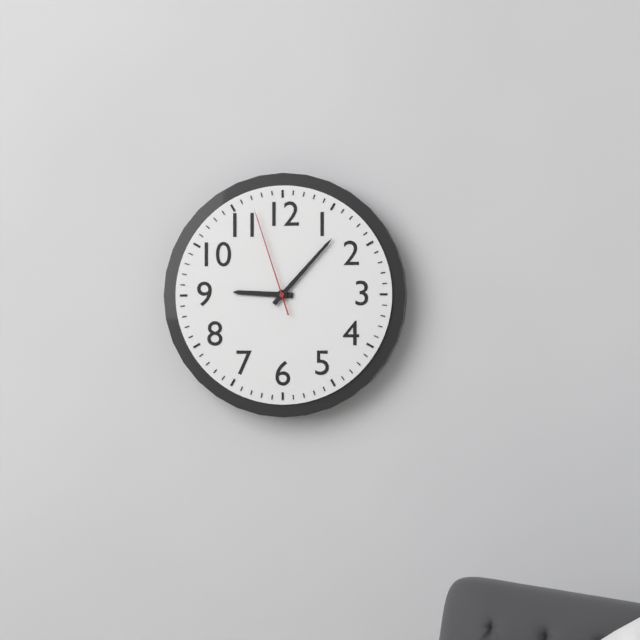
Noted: 9,07,57
